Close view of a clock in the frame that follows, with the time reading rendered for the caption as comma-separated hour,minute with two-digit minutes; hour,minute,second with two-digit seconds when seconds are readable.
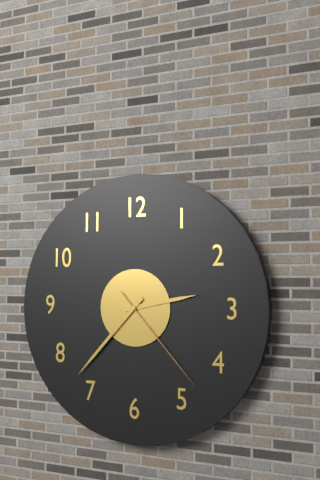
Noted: 2,37,23
